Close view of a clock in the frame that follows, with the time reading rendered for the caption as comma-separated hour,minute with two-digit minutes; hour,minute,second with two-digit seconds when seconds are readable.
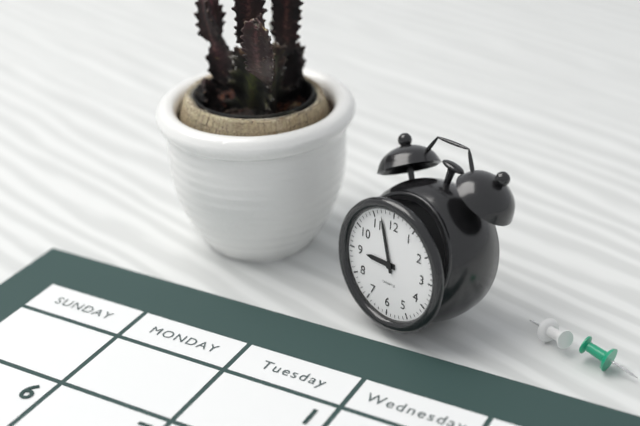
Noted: 8,57
